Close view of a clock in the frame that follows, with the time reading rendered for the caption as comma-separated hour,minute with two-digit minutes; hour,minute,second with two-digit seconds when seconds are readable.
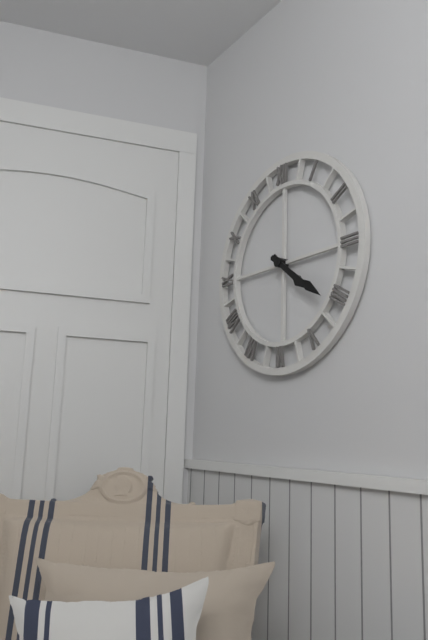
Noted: 4,21
